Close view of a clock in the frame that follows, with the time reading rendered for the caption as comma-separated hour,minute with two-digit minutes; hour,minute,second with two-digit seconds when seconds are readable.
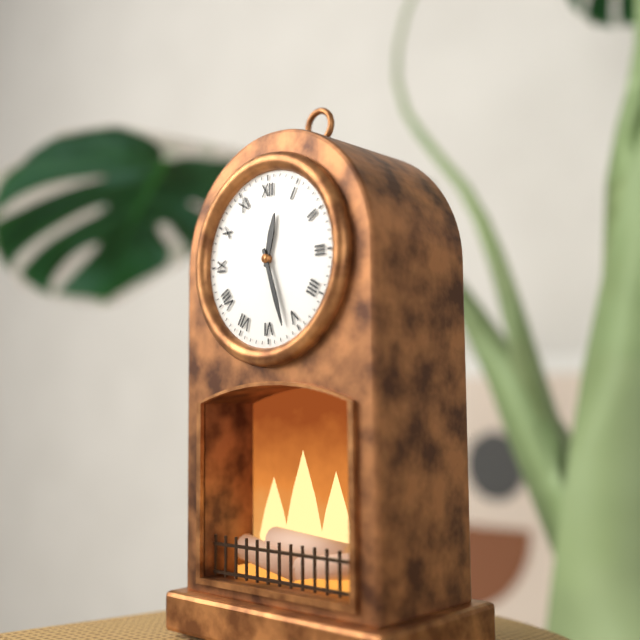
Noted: 12,27
